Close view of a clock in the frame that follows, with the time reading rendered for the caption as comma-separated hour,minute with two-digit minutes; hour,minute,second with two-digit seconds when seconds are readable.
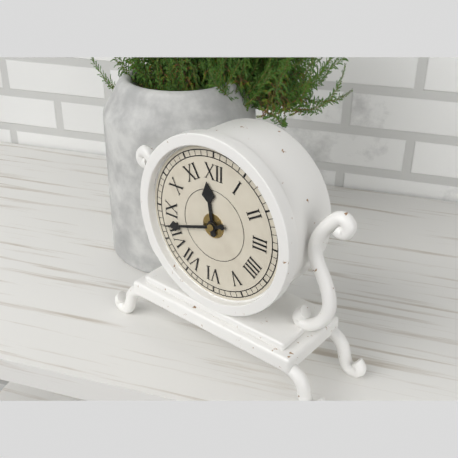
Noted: 11,42
